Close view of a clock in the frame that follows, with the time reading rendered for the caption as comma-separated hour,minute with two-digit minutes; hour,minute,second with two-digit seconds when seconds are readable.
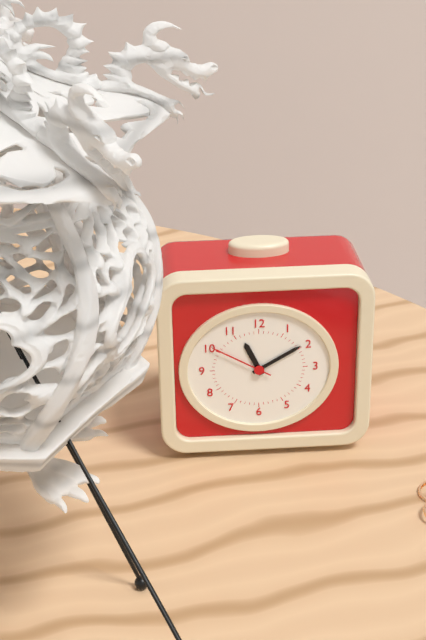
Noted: 11,10,50
